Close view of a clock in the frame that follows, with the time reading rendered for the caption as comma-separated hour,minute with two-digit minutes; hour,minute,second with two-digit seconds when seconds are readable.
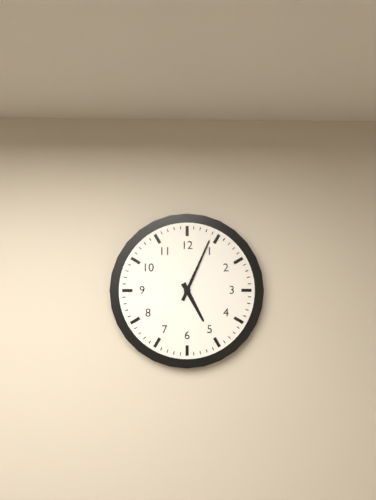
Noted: 5,04
